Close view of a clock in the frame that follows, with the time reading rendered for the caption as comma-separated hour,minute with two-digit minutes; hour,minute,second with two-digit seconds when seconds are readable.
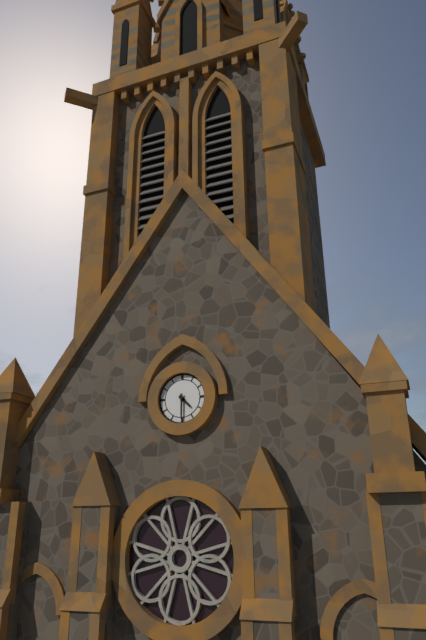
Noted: 4,30
